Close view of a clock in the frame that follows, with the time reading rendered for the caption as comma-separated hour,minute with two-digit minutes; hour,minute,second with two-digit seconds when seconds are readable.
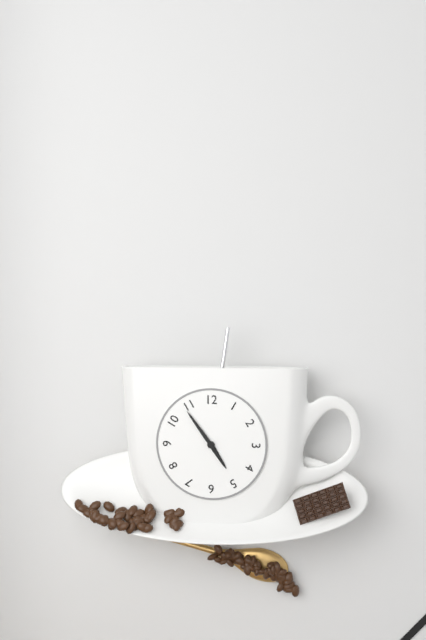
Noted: 4,54
